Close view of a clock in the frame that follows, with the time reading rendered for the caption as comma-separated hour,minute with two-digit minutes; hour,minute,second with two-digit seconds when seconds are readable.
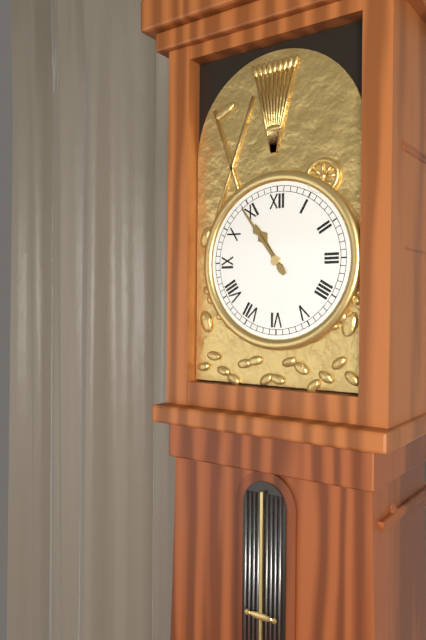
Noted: 10,54
